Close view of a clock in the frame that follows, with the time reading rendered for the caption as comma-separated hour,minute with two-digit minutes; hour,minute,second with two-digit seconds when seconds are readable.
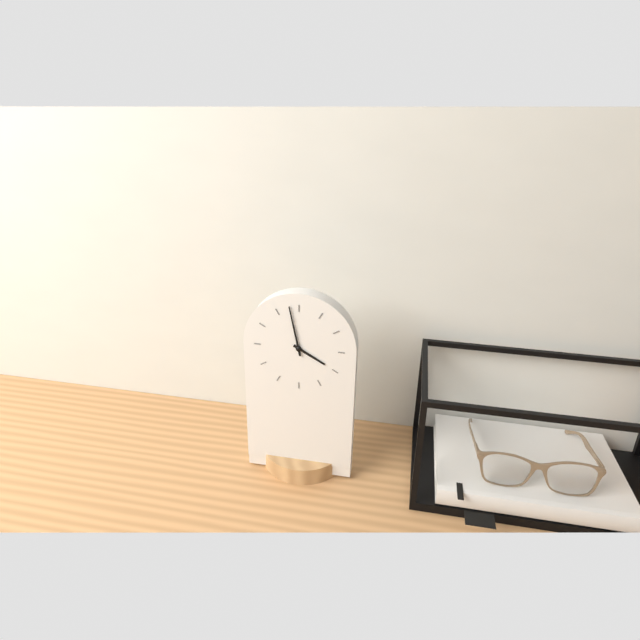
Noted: 3,58
